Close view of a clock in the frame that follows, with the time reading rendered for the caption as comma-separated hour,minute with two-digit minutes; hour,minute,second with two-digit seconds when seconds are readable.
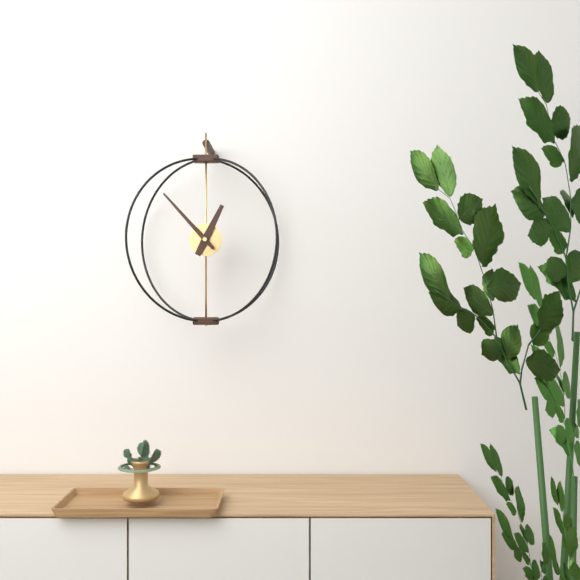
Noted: 12,53
